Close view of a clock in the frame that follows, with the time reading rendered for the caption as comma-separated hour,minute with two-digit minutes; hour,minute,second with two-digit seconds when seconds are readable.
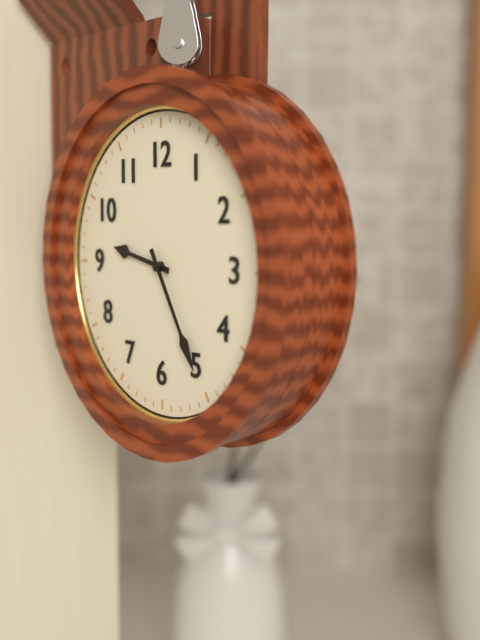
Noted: 9,25
